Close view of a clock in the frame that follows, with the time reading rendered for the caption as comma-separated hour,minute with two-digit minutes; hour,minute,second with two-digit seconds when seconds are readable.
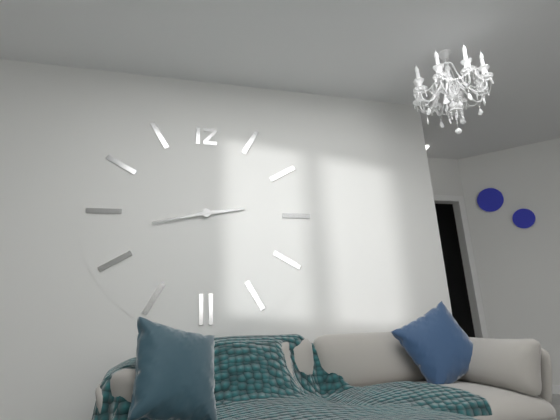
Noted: 2,43
